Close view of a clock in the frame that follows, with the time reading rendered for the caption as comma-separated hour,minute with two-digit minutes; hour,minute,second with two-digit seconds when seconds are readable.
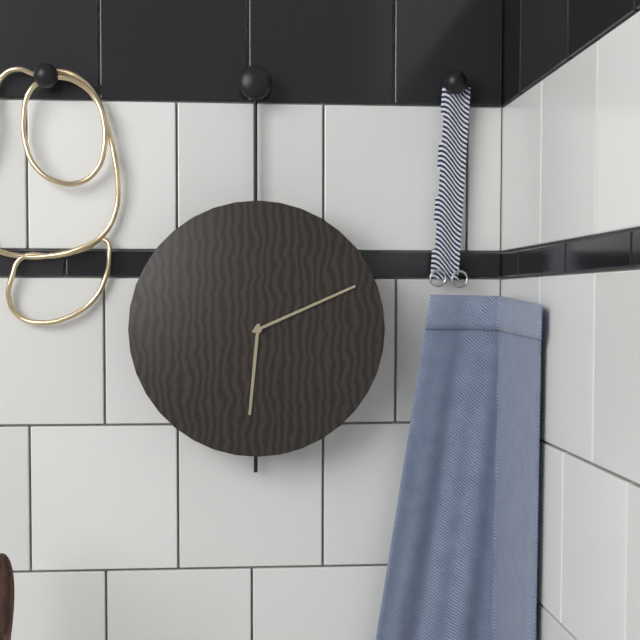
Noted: 6,11
